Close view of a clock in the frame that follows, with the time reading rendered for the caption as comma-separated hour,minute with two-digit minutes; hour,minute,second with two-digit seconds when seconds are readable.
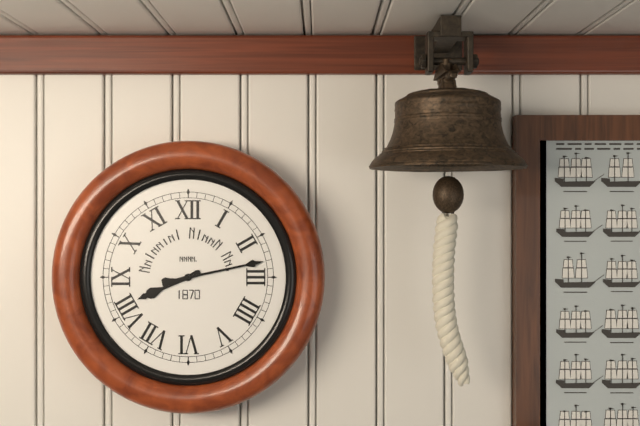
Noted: 8,13
